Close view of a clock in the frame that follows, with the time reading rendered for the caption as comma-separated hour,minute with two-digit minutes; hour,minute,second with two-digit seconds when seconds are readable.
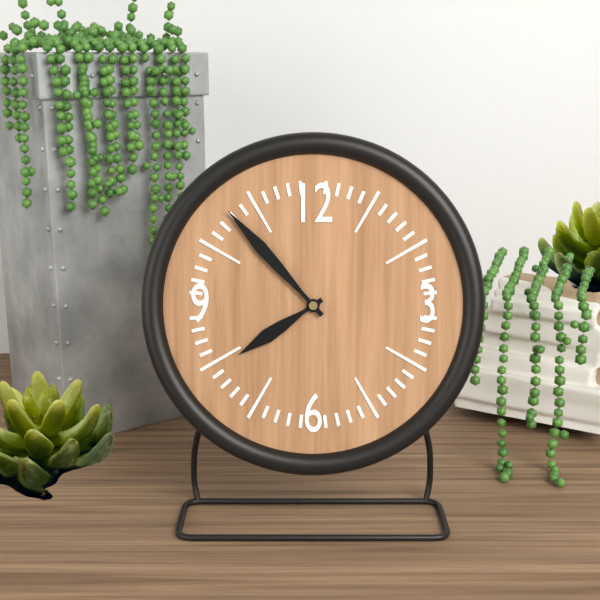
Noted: 7,53
